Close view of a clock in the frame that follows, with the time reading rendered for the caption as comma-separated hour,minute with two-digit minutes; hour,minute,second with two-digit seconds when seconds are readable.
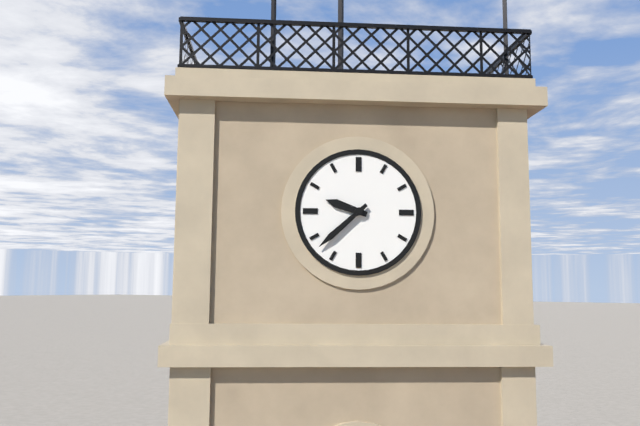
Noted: 9,38
